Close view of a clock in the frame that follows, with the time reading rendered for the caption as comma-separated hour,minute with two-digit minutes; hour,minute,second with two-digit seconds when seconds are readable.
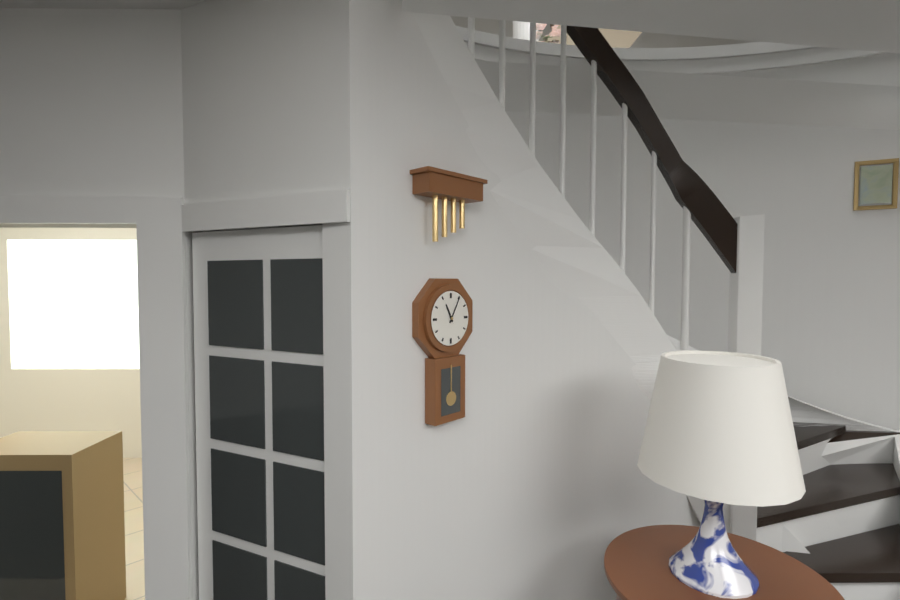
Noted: 11,05
